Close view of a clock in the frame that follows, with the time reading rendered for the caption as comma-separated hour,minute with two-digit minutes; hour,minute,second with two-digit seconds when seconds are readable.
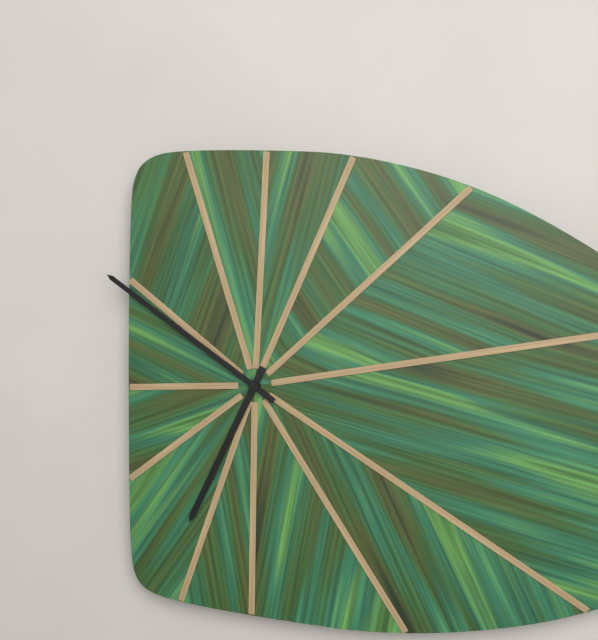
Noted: 6,51
